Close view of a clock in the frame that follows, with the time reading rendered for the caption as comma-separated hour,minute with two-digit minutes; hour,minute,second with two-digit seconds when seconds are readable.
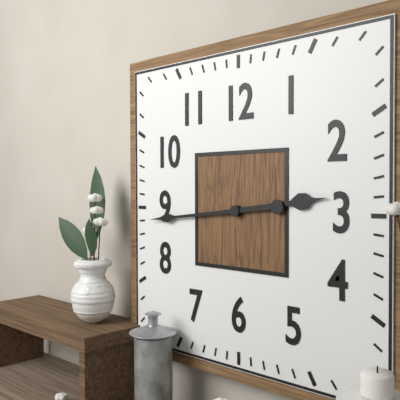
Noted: 2,44
